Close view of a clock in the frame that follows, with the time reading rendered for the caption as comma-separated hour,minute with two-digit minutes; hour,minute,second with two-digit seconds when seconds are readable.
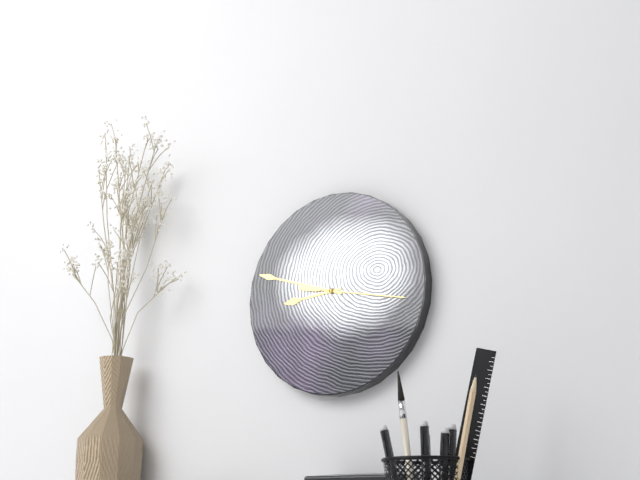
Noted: 8,48,17
